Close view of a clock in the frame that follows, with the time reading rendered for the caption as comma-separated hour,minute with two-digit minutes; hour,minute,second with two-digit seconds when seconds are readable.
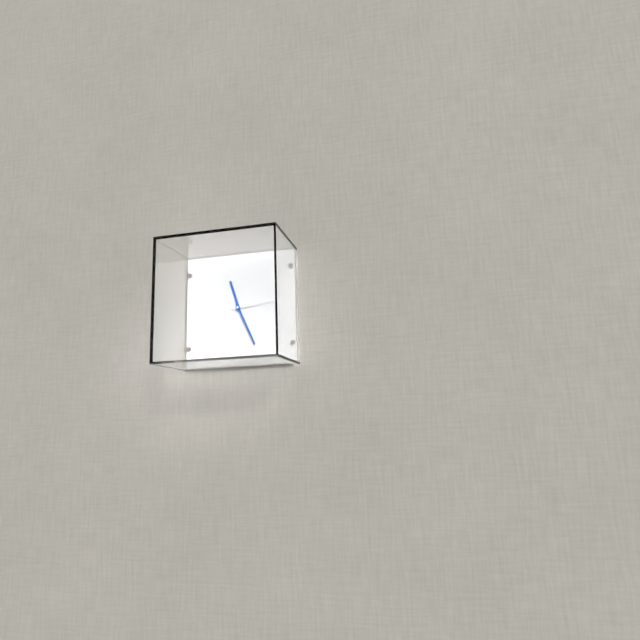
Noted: 11,26,14
